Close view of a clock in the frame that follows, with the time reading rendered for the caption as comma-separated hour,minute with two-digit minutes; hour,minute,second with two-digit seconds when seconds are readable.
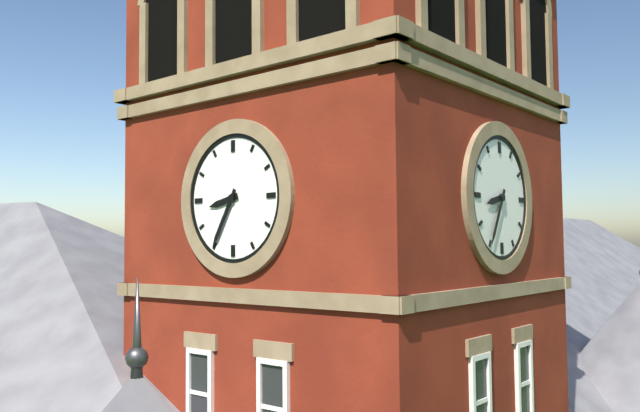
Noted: 8,35
